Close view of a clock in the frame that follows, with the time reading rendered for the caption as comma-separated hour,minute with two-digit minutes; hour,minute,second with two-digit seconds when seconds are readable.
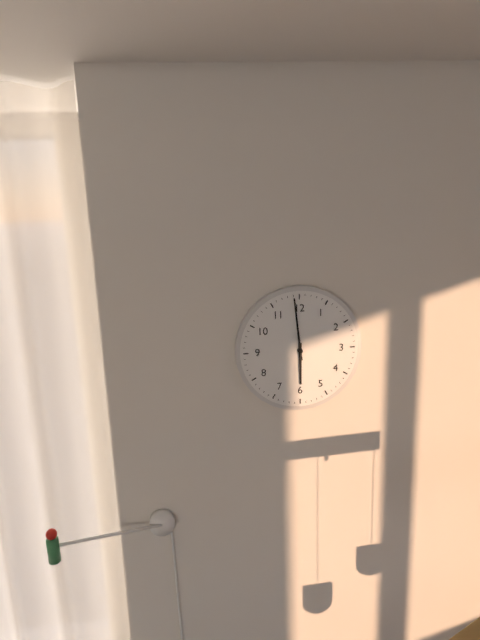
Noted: 5,59
